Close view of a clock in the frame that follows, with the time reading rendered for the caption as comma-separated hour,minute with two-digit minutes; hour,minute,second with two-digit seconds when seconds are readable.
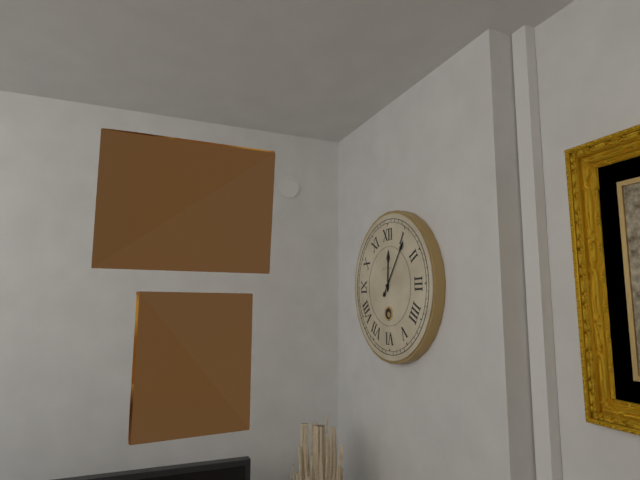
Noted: 12,06
